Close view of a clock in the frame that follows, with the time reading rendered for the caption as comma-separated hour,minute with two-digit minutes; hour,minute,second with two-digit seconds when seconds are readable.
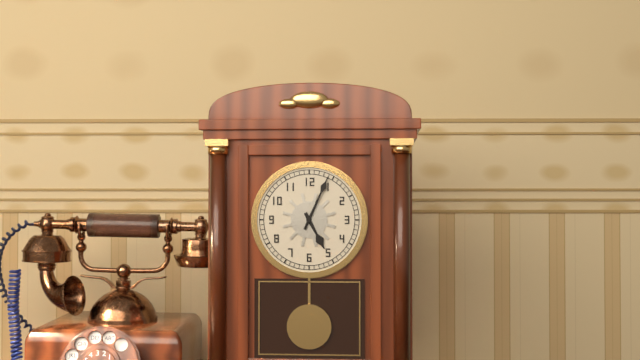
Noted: 5,04
